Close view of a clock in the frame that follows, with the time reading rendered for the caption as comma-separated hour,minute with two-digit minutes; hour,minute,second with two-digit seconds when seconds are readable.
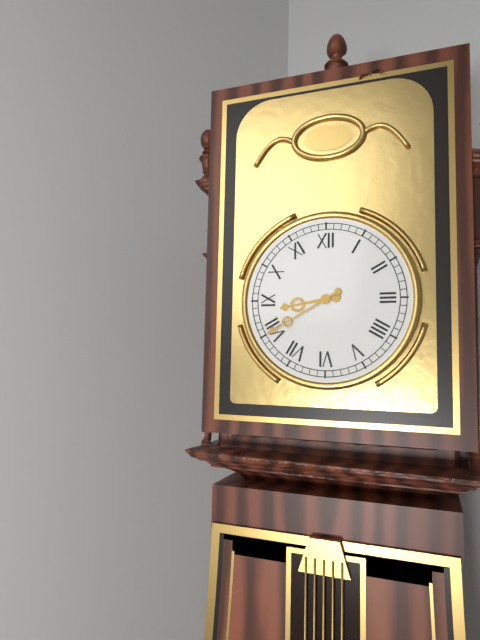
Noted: 8,40
